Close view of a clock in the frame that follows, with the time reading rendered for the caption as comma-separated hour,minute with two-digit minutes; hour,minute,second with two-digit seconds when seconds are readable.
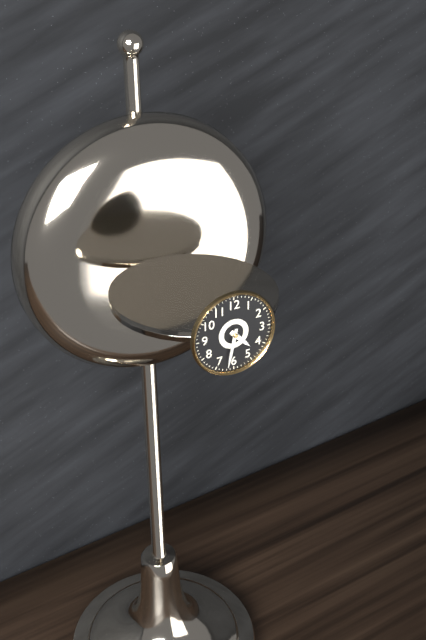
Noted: 4,32
